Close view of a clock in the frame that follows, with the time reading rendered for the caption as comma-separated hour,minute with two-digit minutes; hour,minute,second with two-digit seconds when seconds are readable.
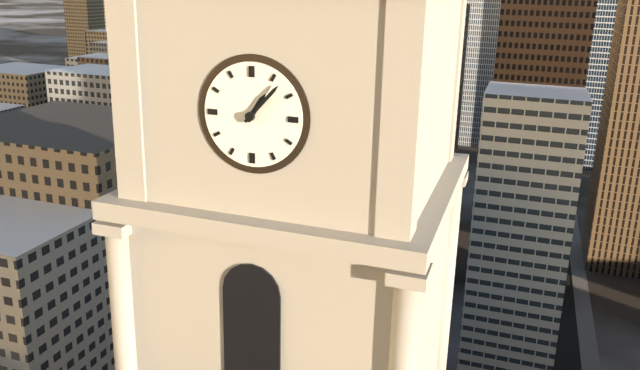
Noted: 1,07
